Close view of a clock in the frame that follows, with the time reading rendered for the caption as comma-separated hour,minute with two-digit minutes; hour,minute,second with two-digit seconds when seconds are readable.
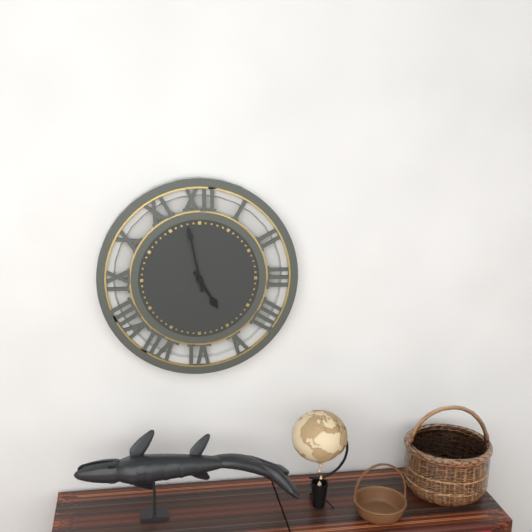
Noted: 4,58
